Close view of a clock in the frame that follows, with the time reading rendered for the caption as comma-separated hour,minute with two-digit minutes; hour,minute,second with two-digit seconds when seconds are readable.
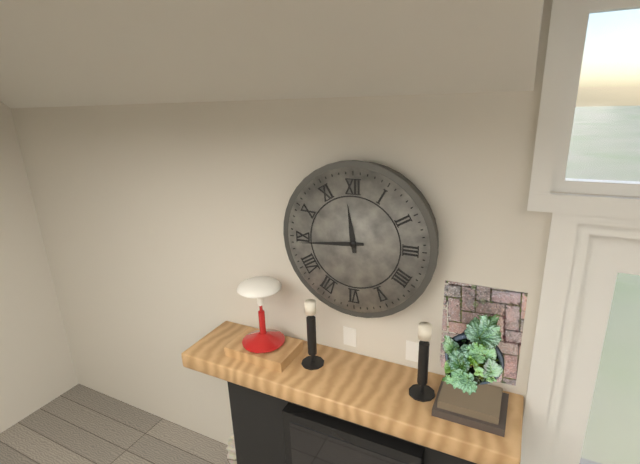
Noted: 11,44
